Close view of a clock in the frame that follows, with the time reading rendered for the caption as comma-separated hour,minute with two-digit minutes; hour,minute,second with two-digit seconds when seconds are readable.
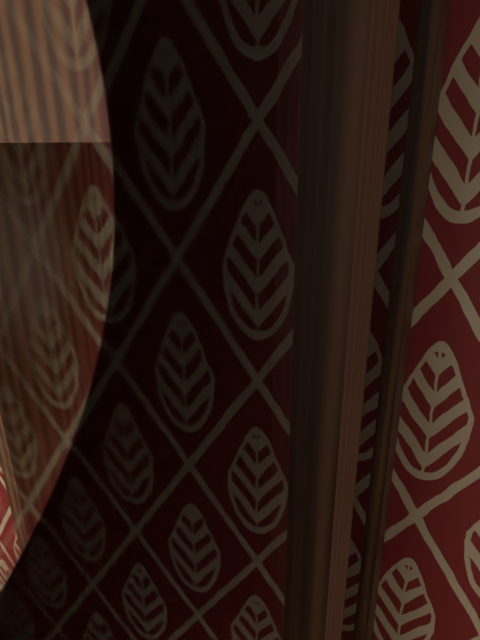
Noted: 11,02
